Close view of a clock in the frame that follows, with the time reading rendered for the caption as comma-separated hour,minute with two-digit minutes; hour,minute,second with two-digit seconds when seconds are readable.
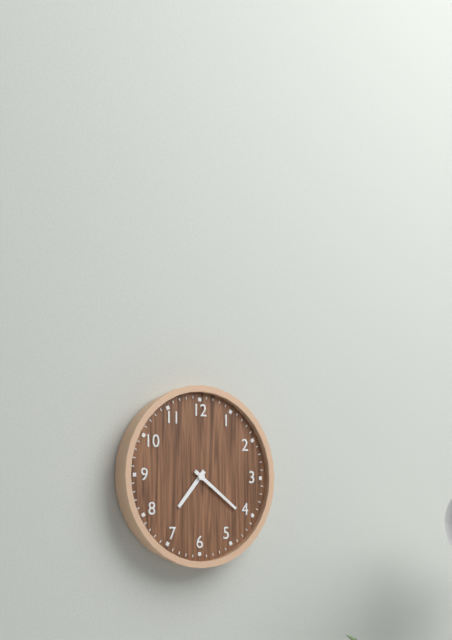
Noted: 7,21
